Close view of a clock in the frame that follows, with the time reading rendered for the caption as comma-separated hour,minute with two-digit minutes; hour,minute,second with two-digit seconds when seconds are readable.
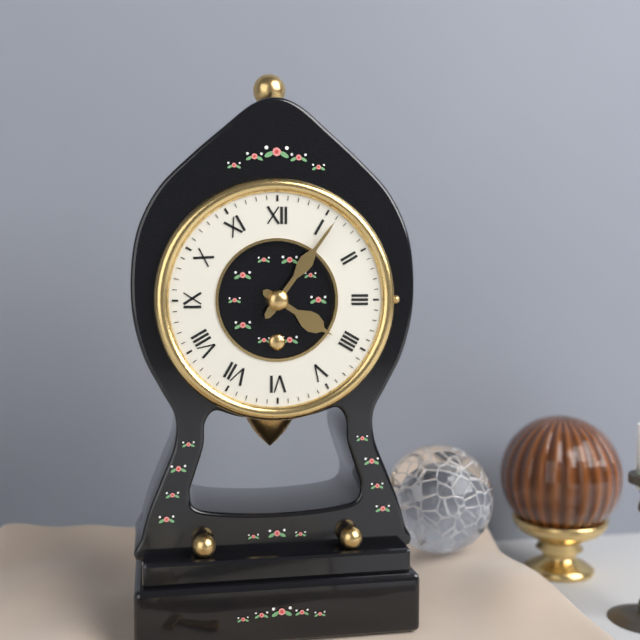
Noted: 4,06
